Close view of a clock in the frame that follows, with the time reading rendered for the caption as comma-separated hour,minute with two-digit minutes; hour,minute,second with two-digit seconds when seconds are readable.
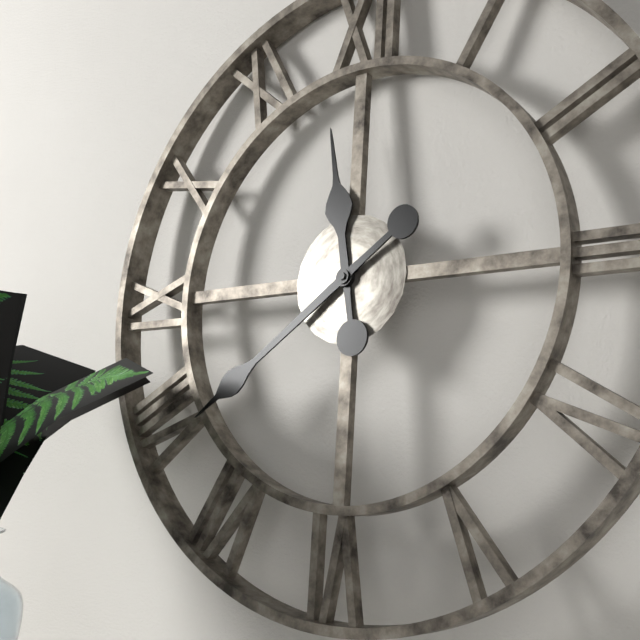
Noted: 11,39
